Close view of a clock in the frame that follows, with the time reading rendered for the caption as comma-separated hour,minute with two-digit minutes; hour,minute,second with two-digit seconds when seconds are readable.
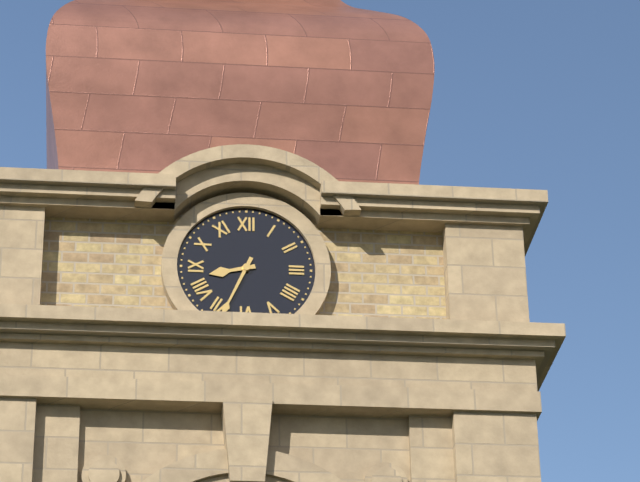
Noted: 8,34
